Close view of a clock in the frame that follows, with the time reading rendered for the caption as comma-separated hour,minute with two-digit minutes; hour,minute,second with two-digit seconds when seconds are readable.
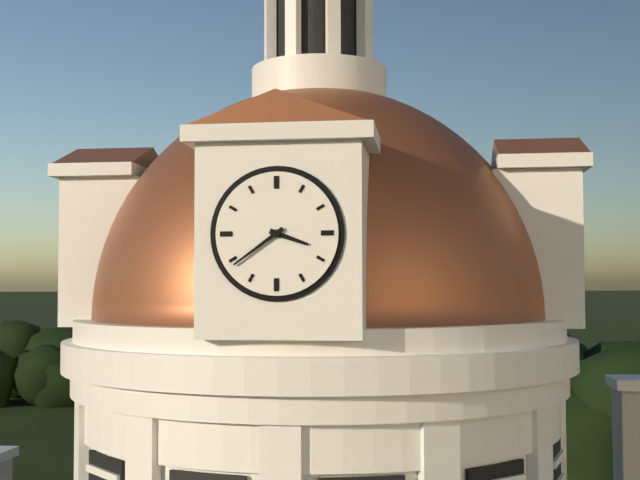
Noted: 3,39
